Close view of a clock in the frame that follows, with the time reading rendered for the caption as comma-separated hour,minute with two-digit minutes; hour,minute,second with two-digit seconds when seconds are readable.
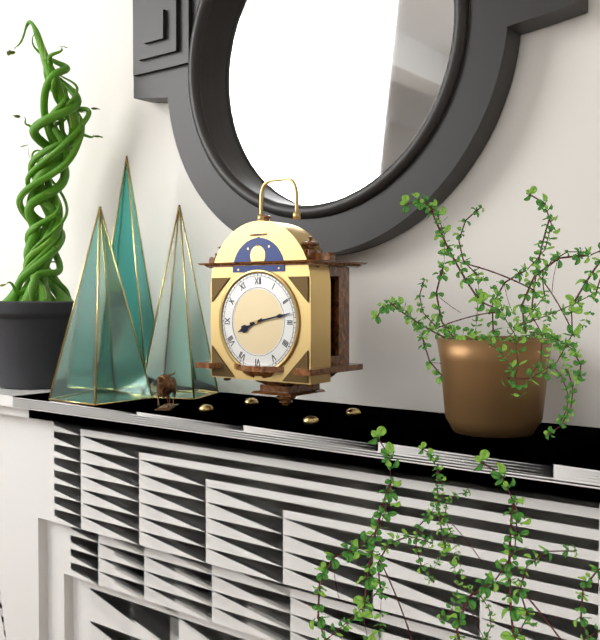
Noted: 8,13
